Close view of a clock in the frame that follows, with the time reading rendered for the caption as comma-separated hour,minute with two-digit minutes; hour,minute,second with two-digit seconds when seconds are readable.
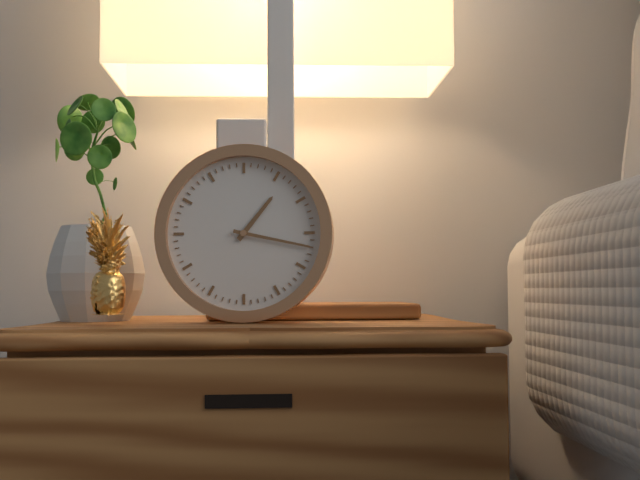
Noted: 1,17
